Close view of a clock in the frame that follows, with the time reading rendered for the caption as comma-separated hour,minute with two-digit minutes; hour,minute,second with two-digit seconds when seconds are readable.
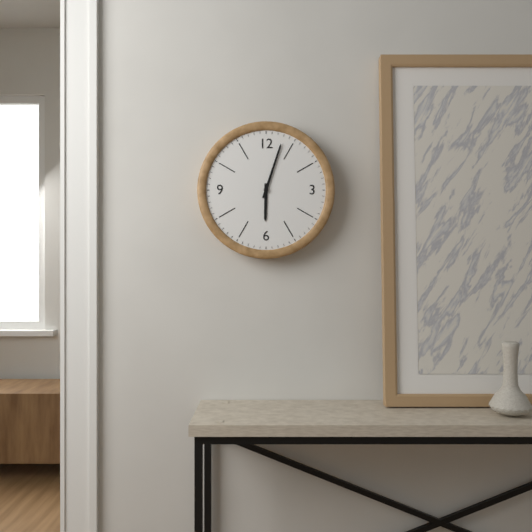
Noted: 6,03
